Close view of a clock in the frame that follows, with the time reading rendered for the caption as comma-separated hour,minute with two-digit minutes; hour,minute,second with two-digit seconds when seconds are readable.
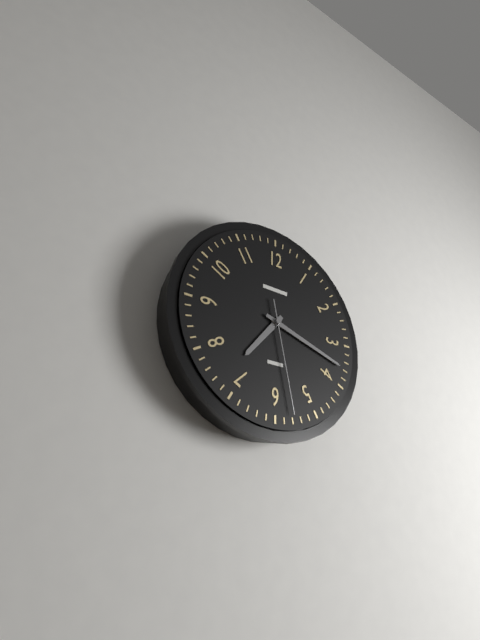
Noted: 7,18,28
